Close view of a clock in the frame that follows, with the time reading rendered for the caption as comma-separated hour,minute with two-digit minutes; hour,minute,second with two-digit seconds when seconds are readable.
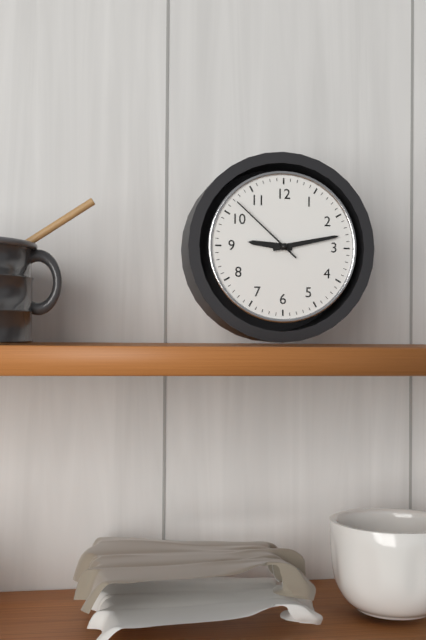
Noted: 9,13,52
